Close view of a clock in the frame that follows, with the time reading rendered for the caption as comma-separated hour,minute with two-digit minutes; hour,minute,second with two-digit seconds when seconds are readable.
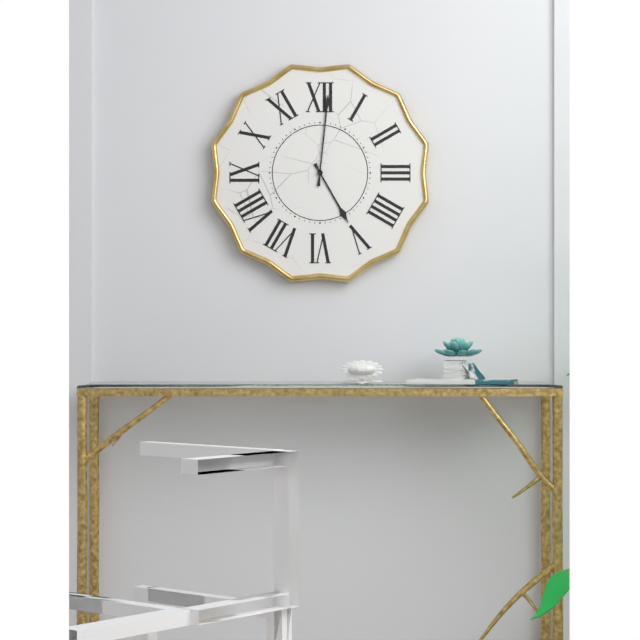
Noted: 5,01
